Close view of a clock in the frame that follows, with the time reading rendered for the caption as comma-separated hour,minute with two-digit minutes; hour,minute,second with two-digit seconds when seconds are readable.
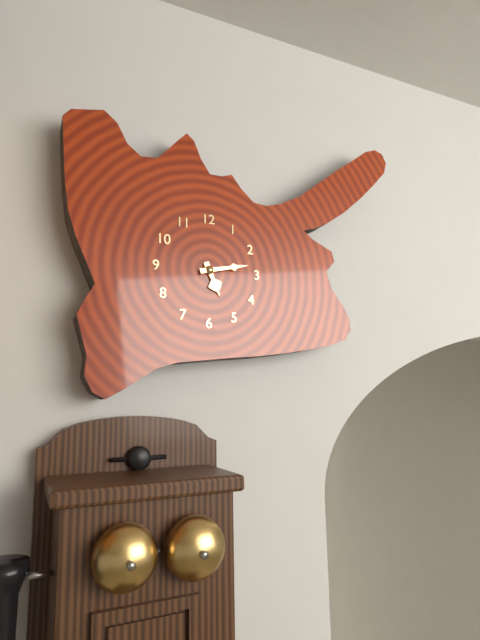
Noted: 5,13
